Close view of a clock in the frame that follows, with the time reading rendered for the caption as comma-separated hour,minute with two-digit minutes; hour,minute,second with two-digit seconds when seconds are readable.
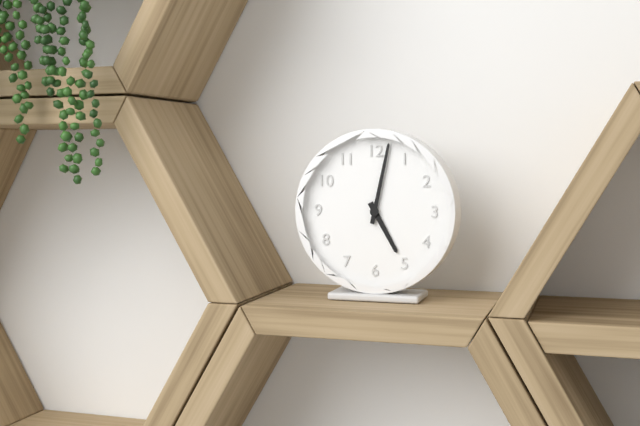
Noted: 5,02
